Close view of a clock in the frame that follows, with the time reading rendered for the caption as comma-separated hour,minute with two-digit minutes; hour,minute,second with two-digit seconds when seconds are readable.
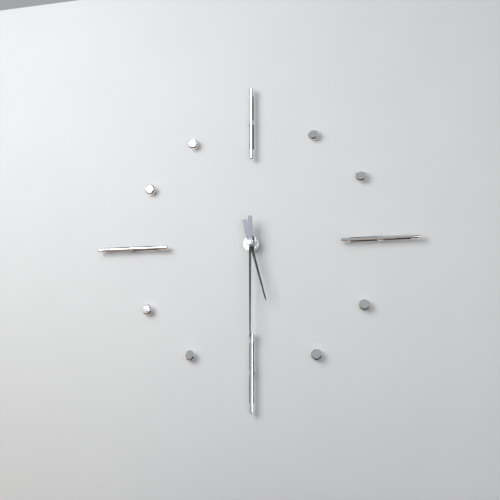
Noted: 5,30
